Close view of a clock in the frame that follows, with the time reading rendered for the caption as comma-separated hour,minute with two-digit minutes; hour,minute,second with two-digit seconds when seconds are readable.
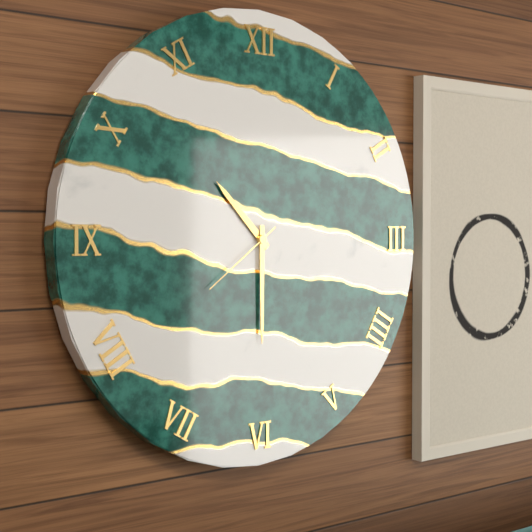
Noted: 10,30,39
